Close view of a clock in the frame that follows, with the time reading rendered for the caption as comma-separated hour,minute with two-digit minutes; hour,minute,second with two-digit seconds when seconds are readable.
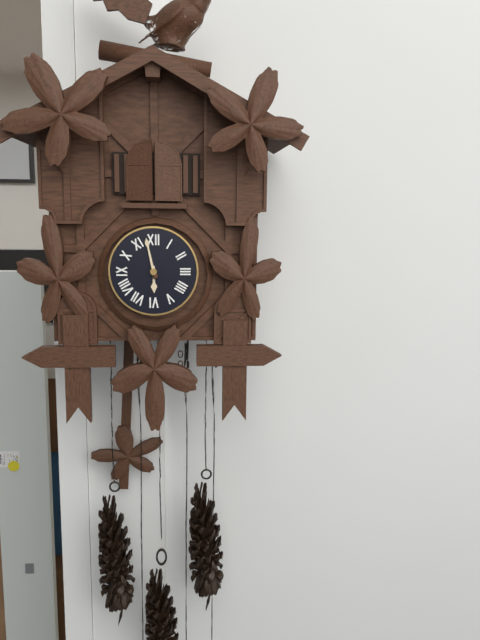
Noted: 5,58
